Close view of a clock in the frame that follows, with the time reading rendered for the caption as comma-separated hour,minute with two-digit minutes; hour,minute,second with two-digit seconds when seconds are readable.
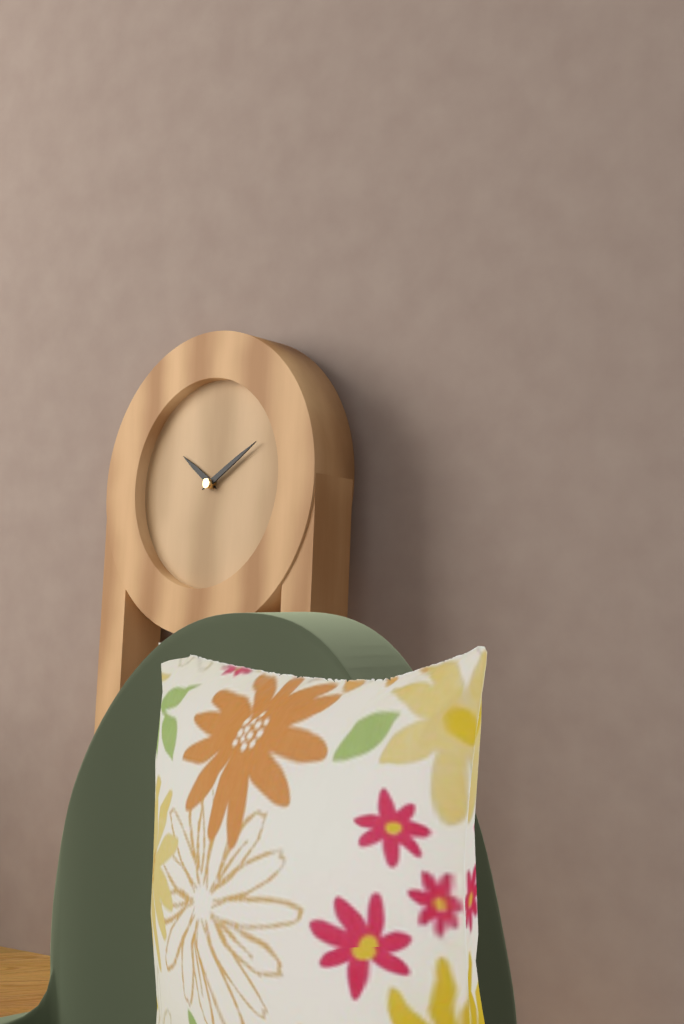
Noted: 10,10
